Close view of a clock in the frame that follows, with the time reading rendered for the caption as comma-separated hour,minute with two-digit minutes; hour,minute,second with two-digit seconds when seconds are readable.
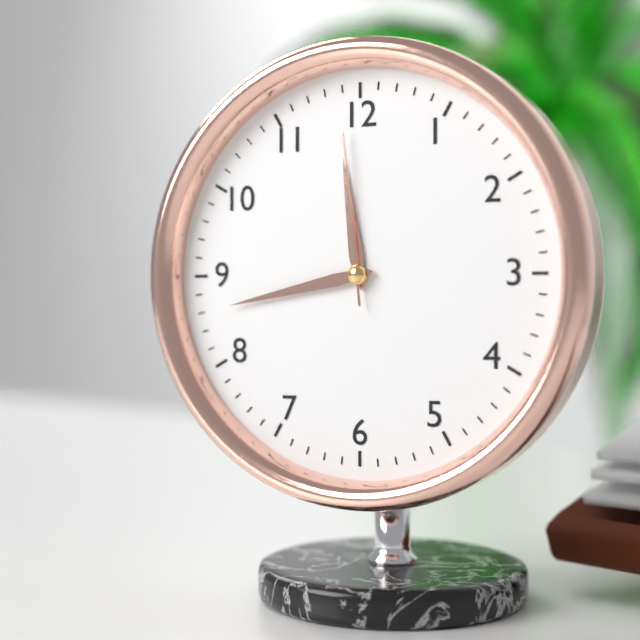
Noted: 11,43,59
